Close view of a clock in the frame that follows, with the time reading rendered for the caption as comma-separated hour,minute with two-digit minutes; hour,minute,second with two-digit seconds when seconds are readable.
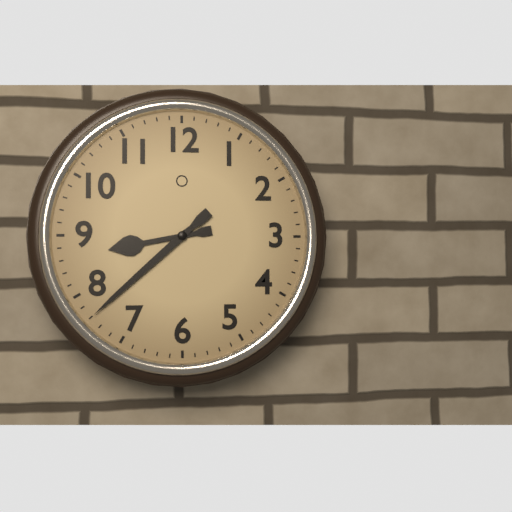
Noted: 8,38
